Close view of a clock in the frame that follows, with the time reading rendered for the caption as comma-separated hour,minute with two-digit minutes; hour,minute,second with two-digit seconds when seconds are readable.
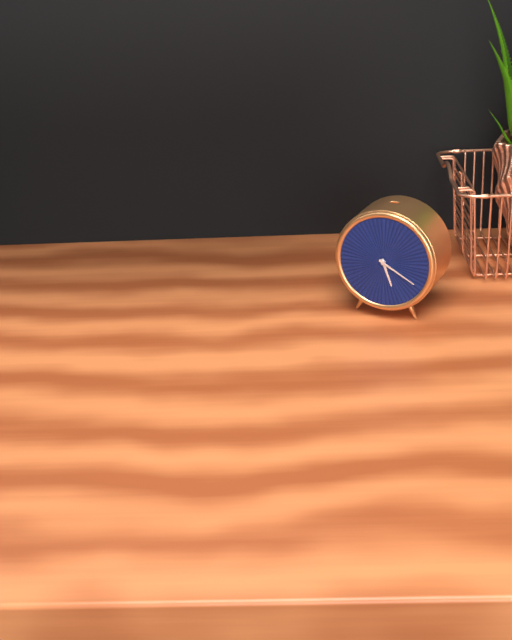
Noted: 5,20
